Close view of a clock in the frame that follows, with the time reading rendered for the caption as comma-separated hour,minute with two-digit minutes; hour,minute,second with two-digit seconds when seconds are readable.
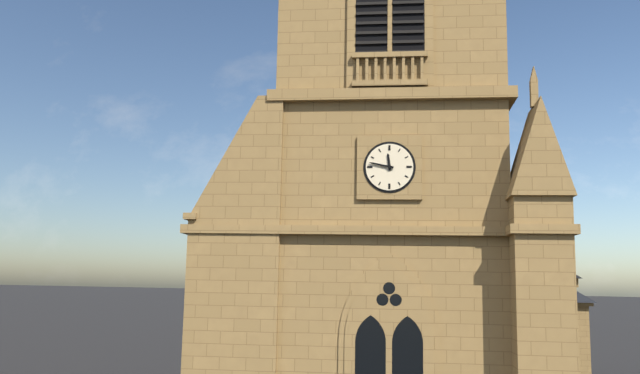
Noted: 11,47
